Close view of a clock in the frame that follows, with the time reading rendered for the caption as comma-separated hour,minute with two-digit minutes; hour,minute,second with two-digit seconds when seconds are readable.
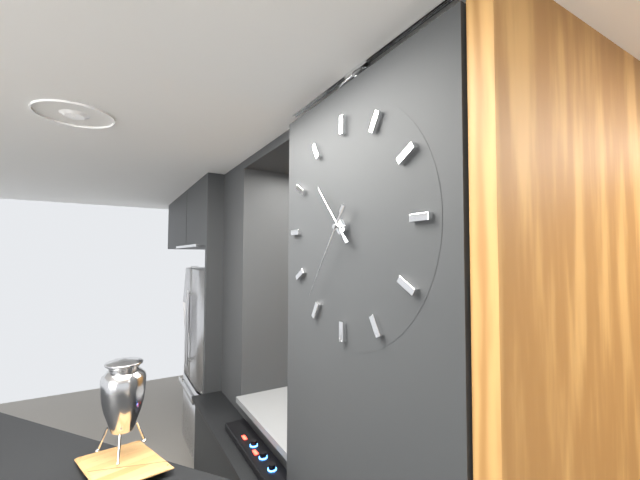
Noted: 10,36
